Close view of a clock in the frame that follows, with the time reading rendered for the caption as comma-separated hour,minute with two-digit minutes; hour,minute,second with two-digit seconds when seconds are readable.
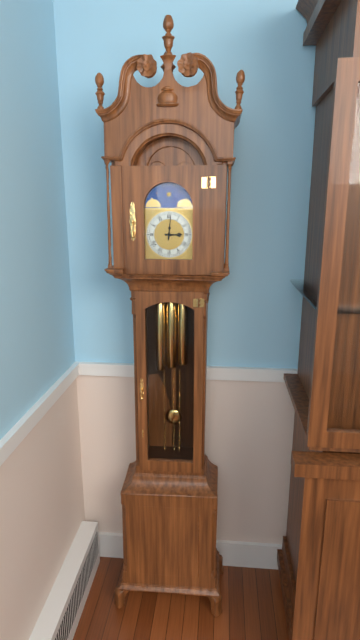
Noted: 3,01
